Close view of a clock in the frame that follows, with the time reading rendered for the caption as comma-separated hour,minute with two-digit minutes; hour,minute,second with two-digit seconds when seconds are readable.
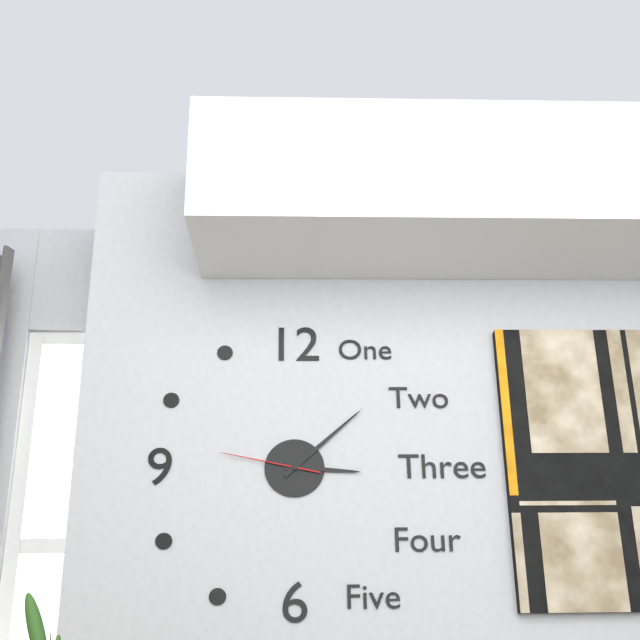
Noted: 3,08,47
